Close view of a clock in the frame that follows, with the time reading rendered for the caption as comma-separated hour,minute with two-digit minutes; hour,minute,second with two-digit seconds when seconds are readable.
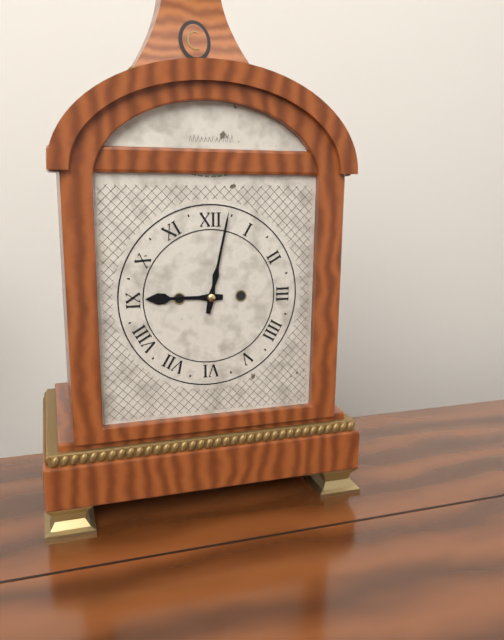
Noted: 9,02
